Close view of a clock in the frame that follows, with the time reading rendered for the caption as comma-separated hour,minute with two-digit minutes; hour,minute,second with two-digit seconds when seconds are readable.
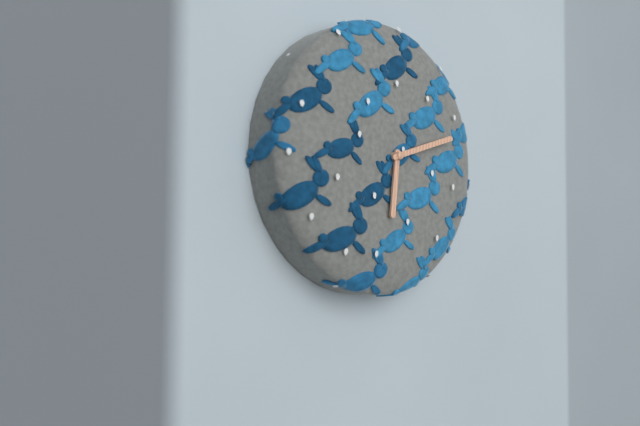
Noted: 6,12
